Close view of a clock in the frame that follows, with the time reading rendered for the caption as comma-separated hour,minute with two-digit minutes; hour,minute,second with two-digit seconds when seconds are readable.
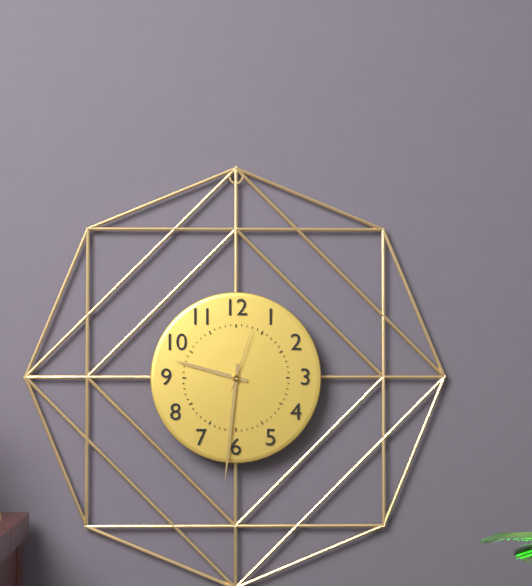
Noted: 9,31,03
